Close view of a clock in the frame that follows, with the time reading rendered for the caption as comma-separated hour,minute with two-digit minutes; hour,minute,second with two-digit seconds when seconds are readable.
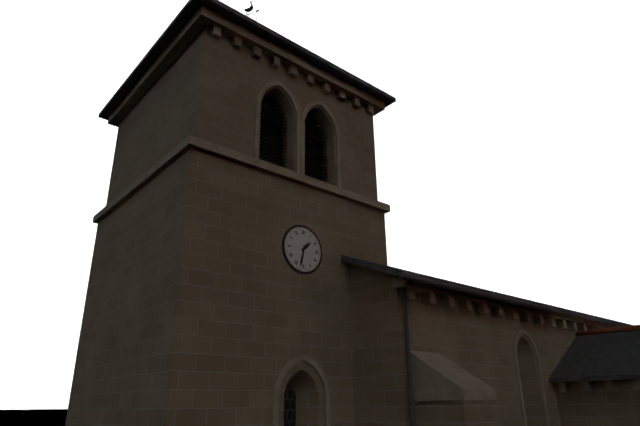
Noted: 1,32
